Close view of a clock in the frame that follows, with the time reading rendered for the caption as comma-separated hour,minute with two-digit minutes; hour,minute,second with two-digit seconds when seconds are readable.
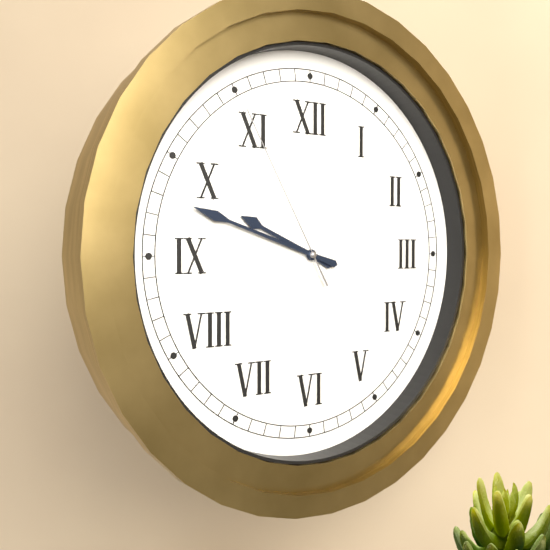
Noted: 9,48,55
